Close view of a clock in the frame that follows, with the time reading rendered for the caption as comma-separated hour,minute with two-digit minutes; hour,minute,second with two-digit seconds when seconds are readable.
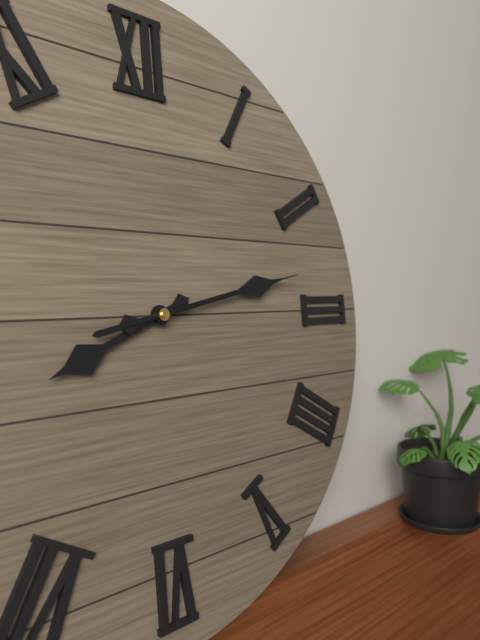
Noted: 8,13,13
